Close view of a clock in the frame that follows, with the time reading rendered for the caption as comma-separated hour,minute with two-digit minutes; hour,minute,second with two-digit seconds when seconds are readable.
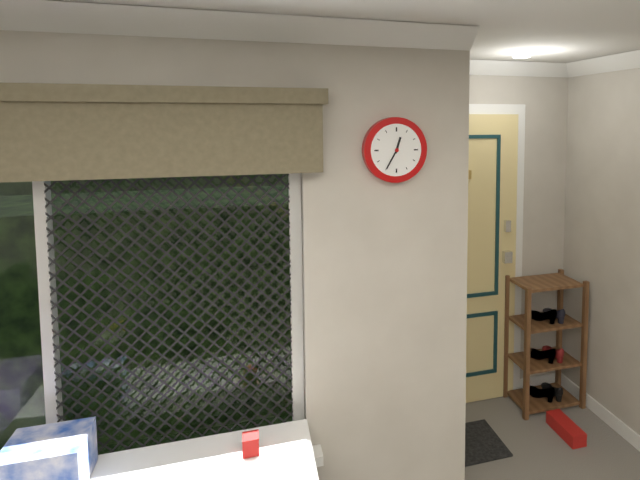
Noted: 12,35
